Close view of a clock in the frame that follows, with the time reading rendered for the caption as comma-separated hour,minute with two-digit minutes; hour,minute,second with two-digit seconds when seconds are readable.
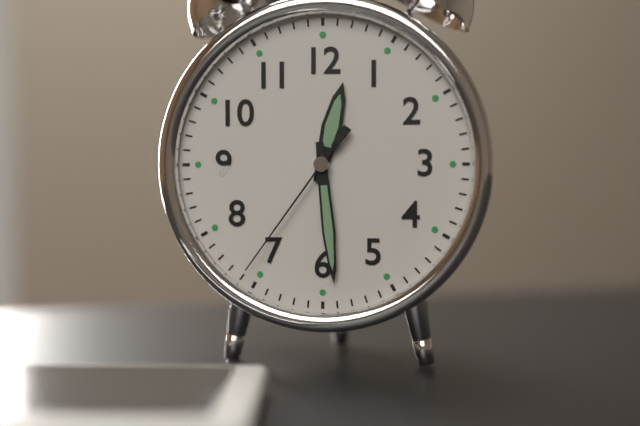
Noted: 12,29,36
